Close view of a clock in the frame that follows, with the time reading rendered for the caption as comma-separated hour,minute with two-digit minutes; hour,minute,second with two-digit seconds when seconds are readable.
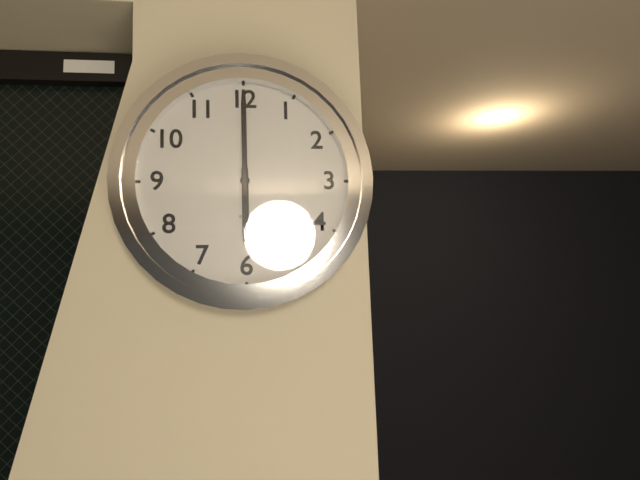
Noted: 6,00
